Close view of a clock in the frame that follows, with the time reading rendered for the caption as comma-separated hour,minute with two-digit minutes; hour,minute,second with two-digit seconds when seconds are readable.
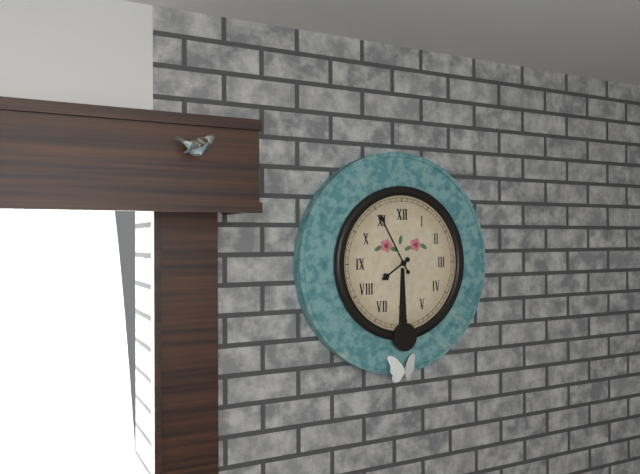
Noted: 7,55
